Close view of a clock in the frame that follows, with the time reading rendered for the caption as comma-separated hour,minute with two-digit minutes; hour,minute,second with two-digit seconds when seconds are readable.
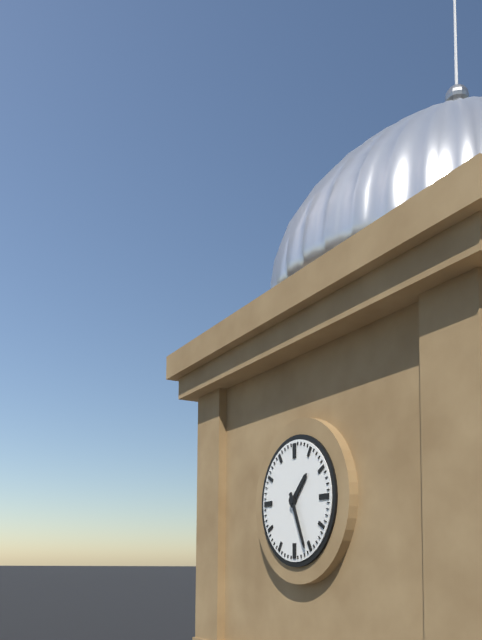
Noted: 1,26
